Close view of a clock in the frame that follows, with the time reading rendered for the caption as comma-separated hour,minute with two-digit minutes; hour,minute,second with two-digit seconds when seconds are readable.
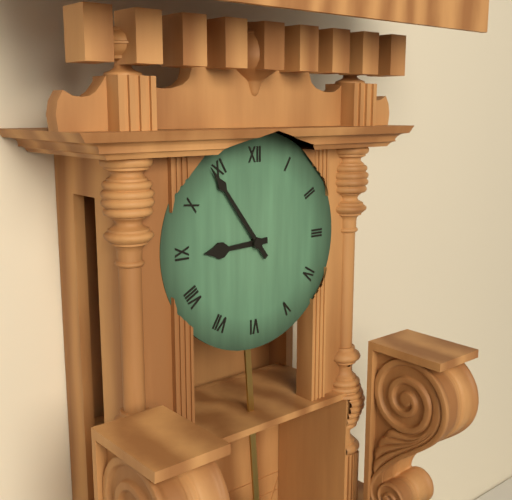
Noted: 8,54
